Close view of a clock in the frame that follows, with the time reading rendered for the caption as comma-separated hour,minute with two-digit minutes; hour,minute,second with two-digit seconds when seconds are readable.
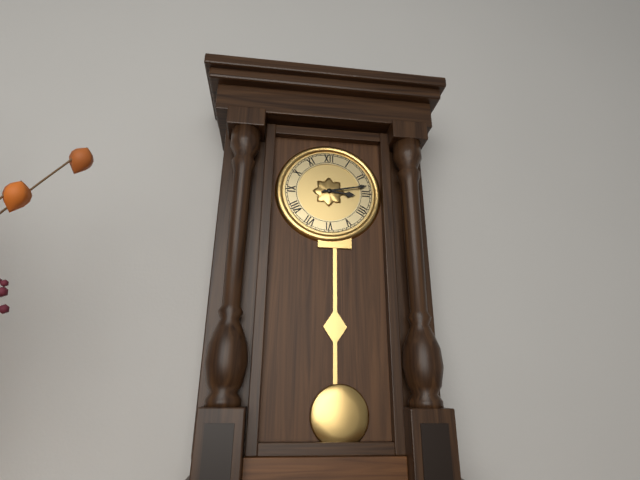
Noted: 3,13
